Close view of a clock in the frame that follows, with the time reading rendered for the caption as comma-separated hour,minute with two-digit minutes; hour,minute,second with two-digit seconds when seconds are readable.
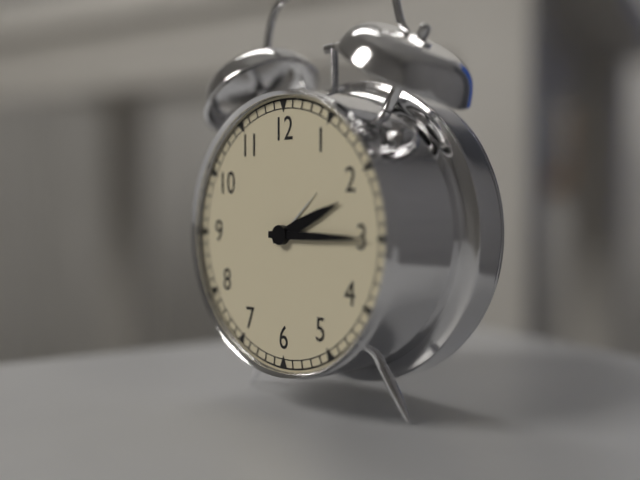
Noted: 2,15
